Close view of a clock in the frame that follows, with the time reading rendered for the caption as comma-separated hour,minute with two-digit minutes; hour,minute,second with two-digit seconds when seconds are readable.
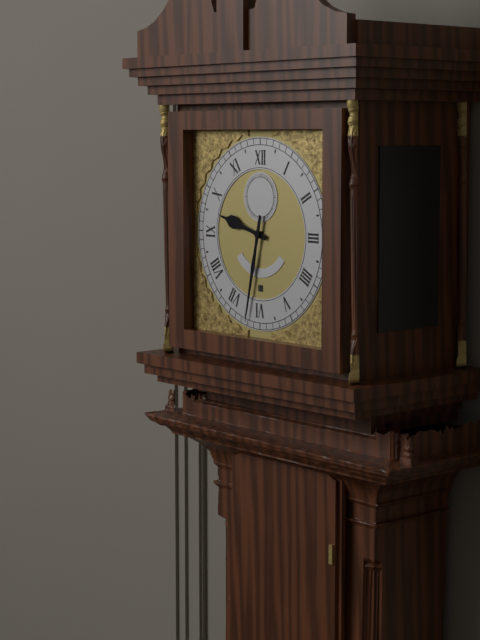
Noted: 9,32
